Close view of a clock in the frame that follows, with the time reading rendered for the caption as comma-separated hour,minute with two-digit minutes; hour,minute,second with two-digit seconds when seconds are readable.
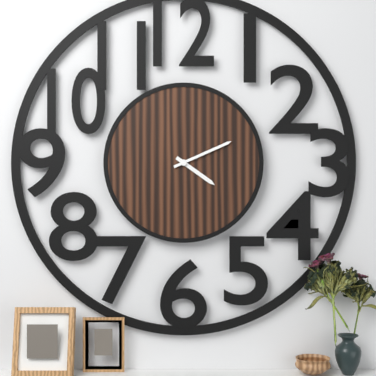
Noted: 4,11
